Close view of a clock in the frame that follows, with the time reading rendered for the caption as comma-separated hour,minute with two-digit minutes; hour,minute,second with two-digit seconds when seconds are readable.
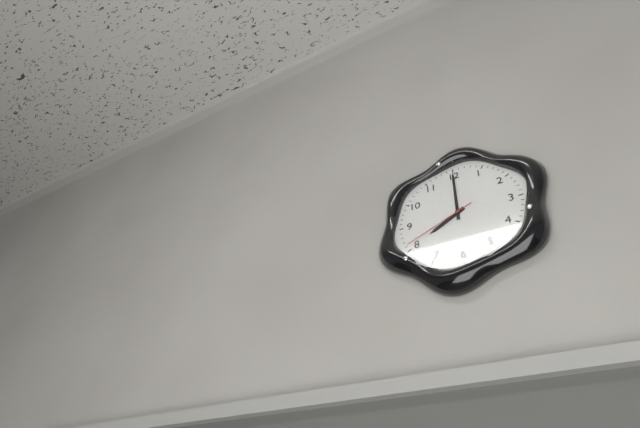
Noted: 8,00,41
